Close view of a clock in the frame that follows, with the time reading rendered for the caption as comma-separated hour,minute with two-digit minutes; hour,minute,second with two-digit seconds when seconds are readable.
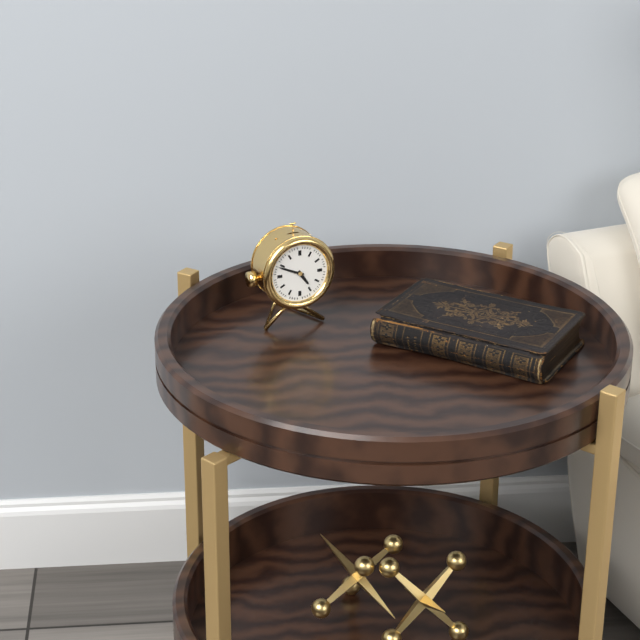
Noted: 4,49
